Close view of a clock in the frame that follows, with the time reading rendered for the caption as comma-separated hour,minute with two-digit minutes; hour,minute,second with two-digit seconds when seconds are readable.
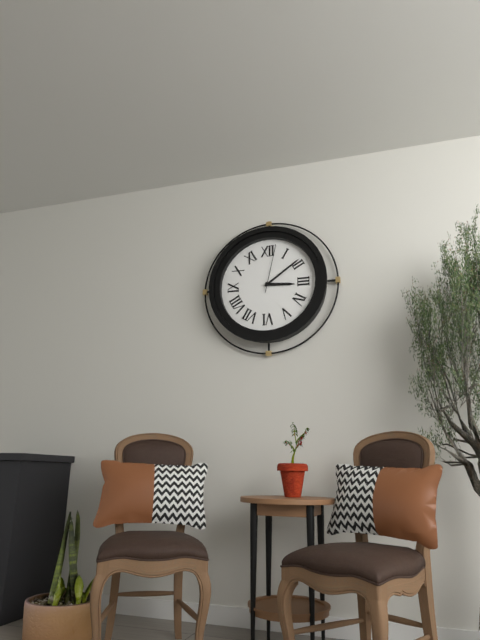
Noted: 3,09,02
